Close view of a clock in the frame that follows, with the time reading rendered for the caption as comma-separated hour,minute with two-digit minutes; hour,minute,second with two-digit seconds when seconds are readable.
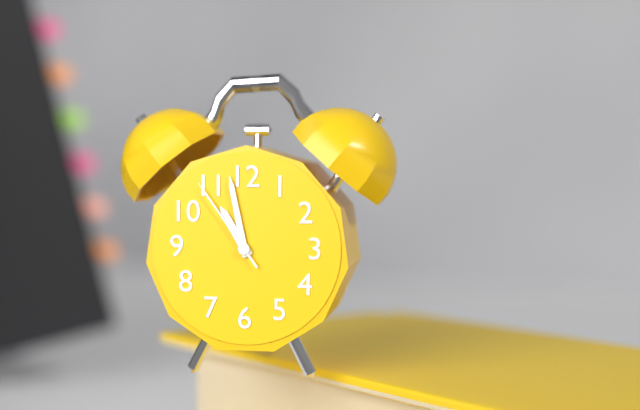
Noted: 10,58,54
